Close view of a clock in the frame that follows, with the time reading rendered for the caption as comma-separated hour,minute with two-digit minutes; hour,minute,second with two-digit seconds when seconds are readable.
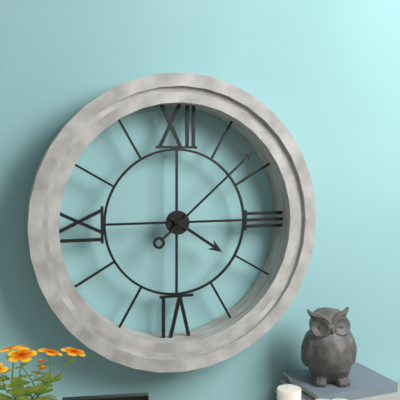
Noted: 4,08
